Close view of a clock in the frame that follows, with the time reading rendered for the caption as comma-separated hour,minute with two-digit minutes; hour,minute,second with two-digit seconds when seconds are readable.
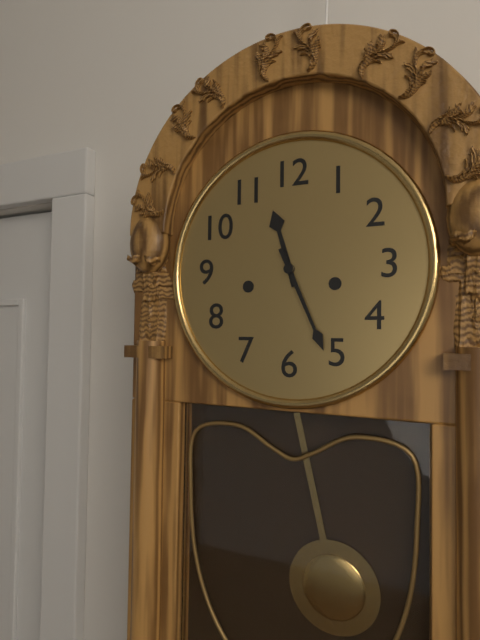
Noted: 11,26
